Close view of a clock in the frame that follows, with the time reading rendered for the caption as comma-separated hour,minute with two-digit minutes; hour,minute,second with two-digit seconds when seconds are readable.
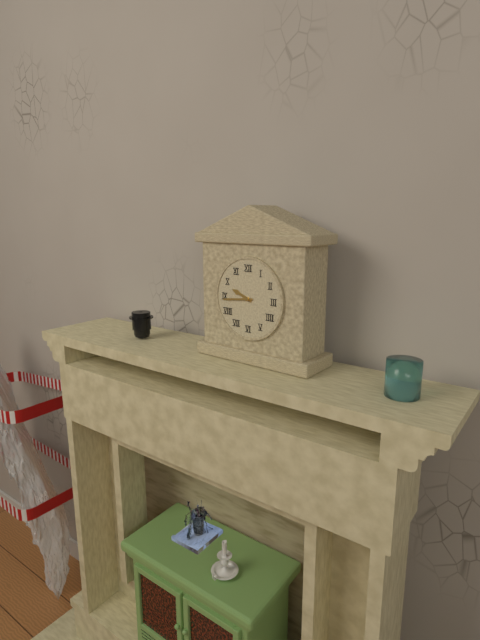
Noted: 9,44
